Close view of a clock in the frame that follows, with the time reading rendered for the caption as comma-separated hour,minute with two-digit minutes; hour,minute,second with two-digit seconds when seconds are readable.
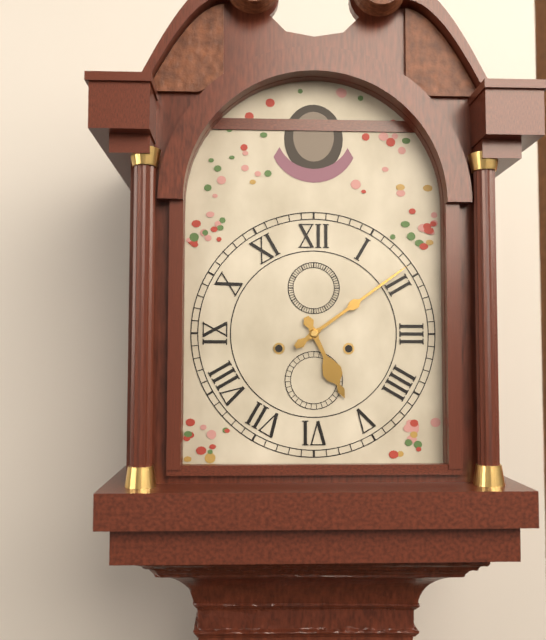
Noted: 5,09
